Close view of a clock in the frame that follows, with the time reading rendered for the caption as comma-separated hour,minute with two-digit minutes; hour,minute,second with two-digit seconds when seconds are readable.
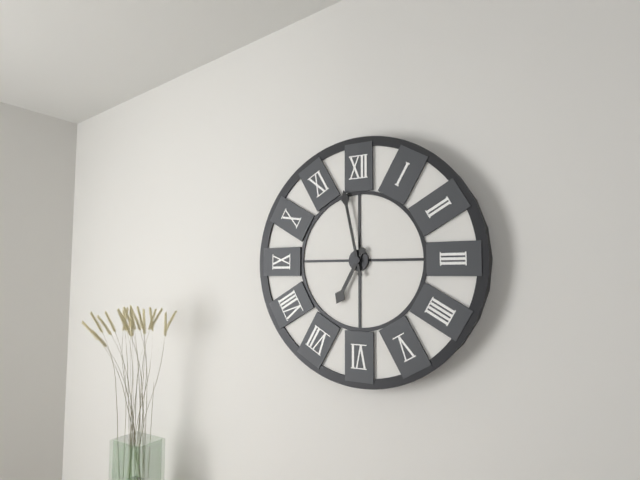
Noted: 6,58
